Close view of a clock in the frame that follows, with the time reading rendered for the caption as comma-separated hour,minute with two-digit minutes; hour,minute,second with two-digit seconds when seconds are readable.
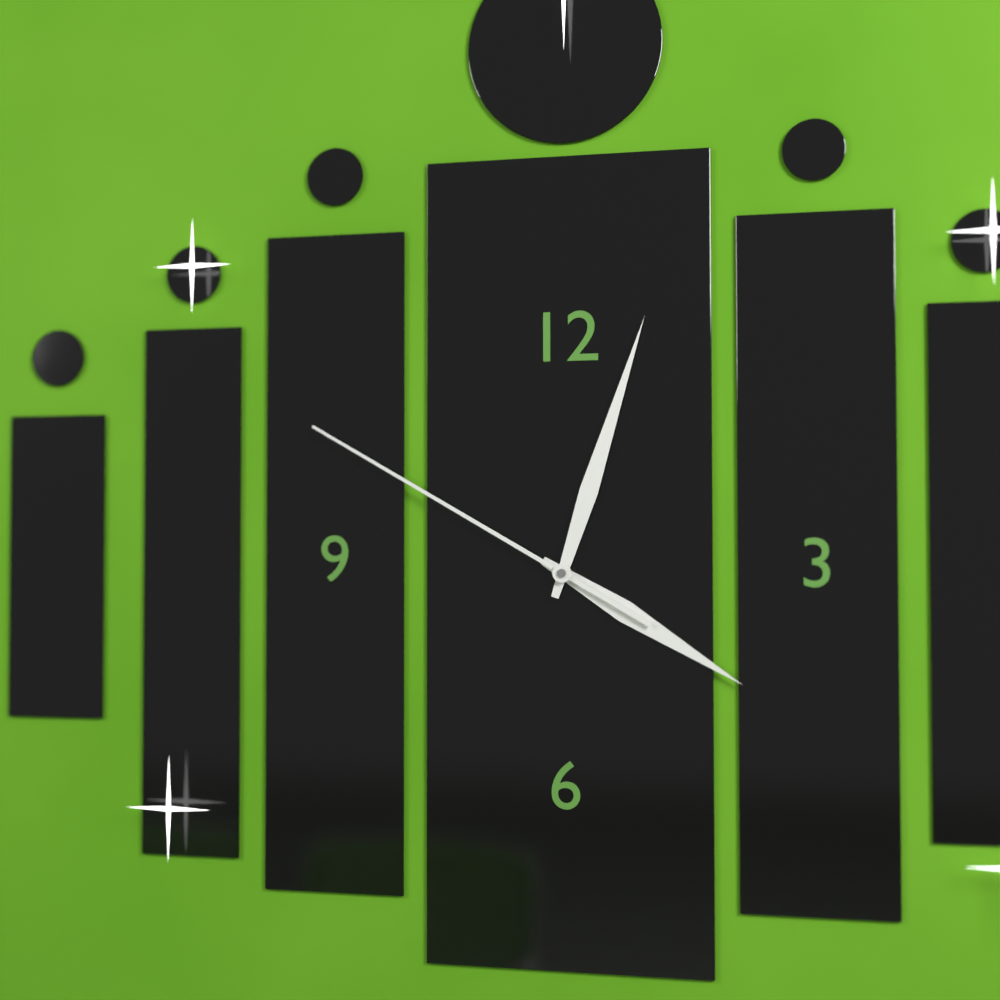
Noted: 4,03,50
